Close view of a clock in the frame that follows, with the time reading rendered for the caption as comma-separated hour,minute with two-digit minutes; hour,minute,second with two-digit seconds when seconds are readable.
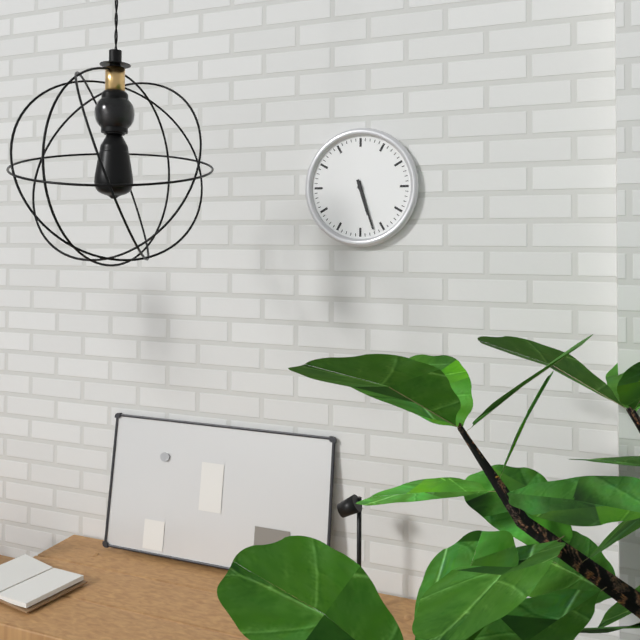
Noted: 5,27
